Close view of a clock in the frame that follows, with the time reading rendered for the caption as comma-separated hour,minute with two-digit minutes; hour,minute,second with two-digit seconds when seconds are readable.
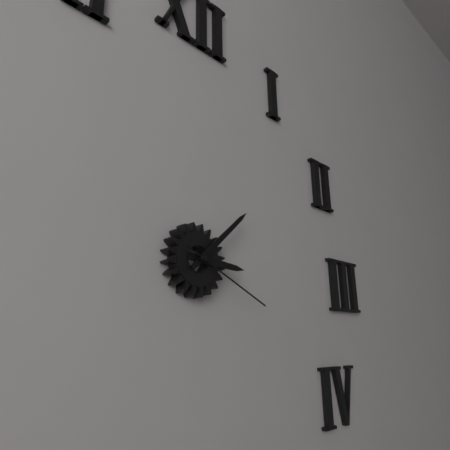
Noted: 3,08,19
